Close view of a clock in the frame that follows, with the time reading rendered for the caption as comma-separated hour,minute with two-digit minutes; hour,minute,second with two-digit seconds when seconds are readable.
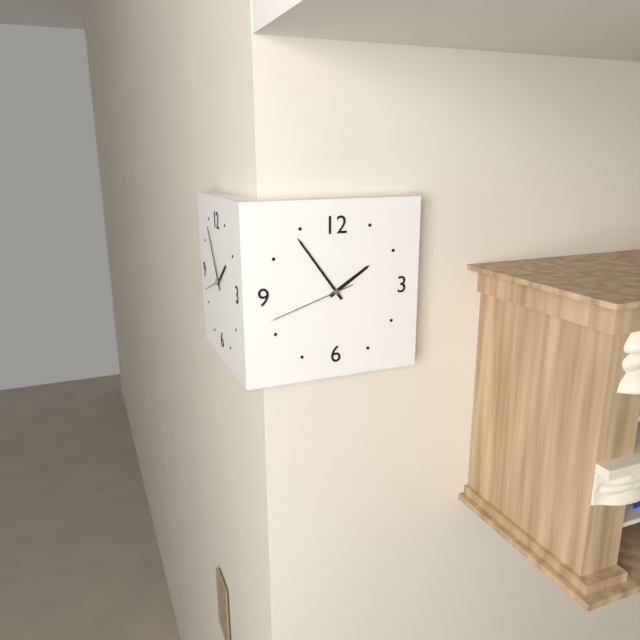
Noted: 1,54,42
